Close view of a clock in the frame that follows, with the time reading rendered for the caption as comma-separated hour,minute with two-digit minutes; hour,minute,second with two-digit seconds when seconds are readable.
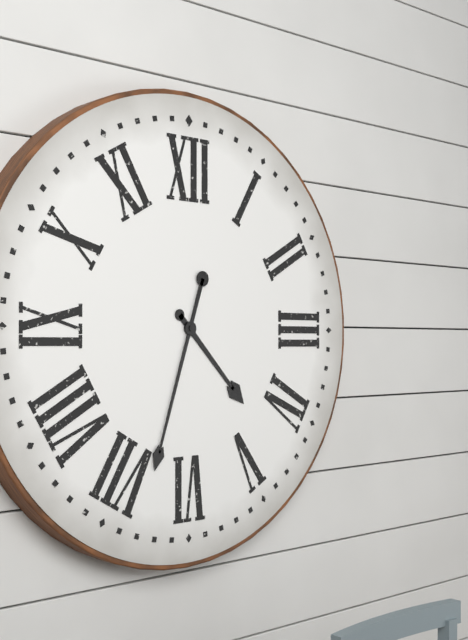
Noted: 4,33
